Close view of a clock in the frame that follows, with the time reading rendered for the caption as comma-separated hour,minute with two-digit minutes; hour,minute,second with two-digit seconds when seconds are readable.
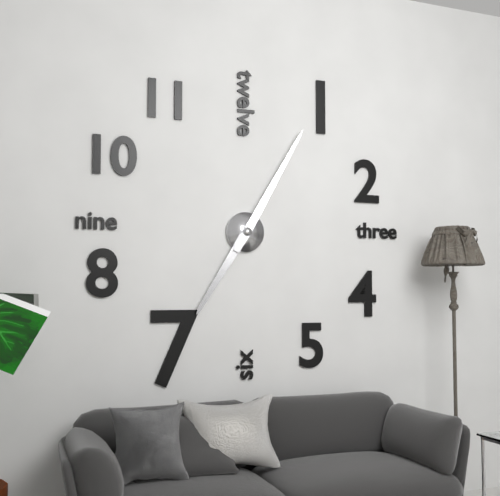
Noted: 7,05
